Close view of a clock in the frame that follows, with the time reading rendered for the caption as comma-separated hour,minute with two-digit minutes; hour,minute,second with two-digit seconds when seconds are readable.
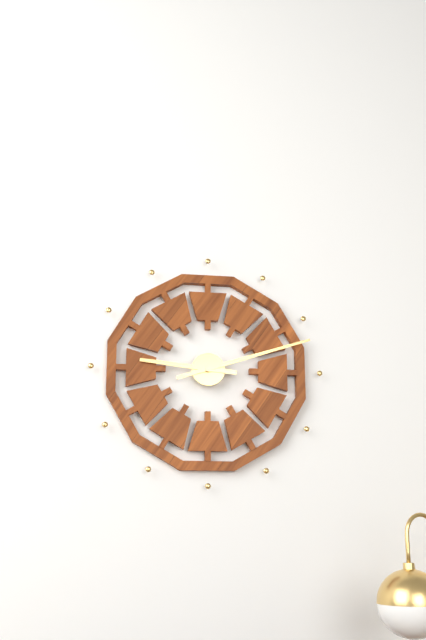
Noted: 9,12
